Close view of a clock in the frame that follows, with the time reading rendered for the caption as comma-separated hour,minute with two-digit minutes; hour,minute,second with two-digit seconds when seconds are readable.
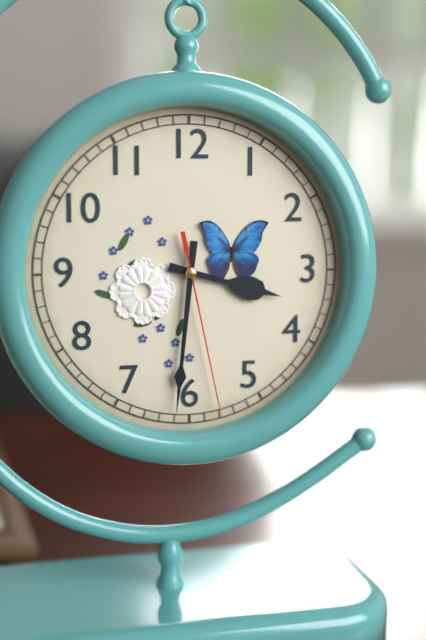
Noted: 3,31,28
